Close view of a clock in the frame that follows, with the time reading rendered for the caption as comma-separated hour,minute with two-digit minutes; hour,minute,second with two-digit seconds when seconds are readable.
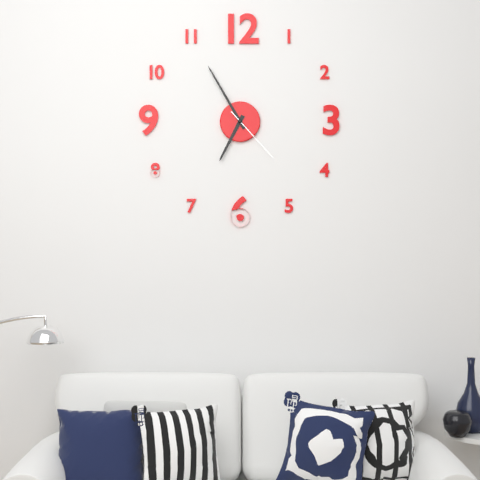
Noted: 6,55,23
